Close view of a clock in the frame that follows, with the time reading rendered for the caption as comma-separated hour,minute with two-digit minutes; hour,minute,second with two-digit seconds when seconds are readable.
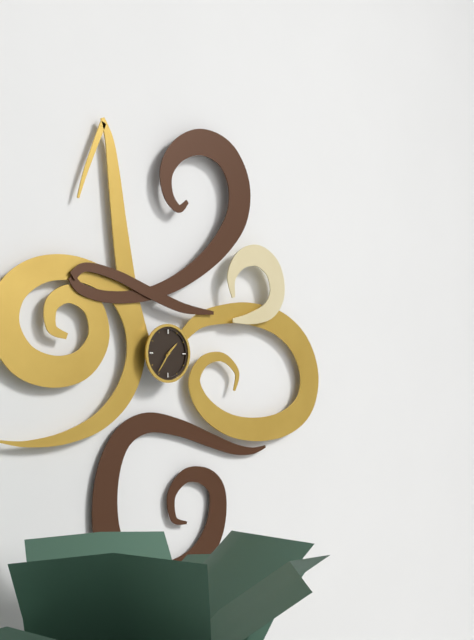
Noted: 1,36
